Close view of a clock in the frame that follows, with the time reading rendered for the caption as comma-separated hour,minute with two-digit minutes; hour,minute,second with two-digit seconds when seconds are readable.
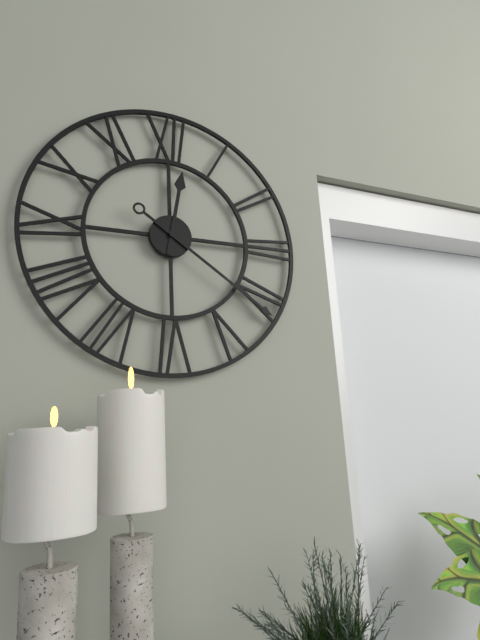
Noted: 12,21
